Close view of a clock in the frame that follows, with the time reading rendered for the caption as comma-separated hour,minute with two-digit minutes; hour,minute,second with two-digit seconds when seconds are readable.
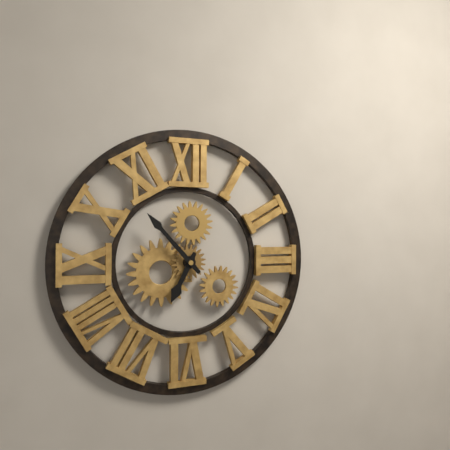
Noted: 6,53
